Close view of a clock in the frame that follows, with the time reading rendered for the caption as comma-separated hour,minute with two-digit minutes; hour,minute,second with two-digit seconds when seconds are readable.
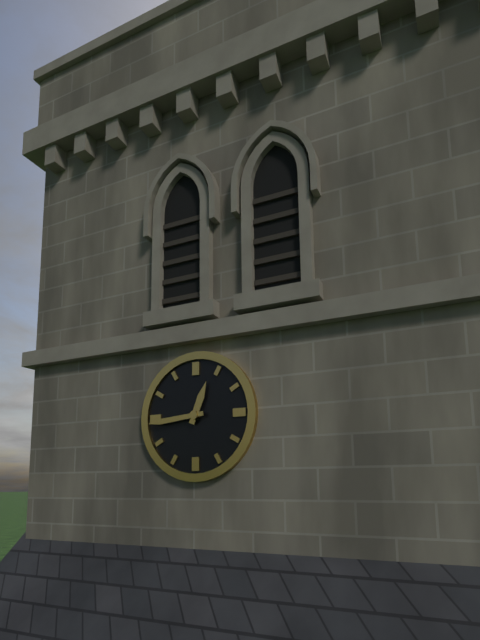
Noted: 12,44
